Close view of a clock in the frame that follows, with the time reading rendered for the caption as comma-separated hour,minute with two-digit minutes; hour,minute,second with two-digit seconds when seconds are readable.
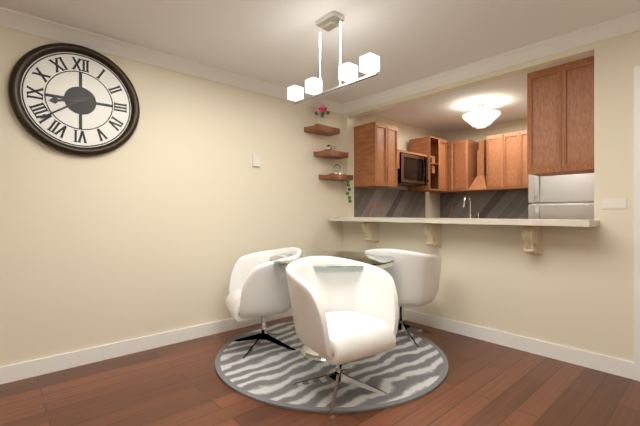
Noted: 8,39
